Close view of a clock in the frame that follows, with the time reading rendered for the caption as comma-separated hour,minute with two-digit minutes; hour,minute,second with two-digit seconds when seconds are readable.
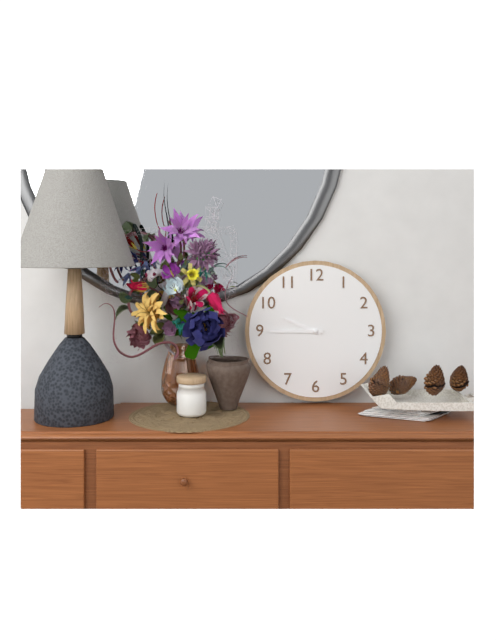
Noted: 9,45
